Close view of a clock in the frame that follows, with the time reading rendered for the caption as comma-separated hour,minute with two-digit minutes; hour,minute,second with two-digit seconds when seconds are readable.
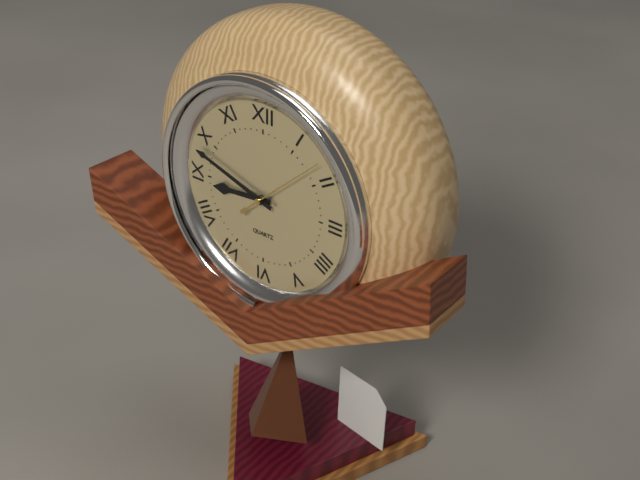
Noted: 8,48,08
